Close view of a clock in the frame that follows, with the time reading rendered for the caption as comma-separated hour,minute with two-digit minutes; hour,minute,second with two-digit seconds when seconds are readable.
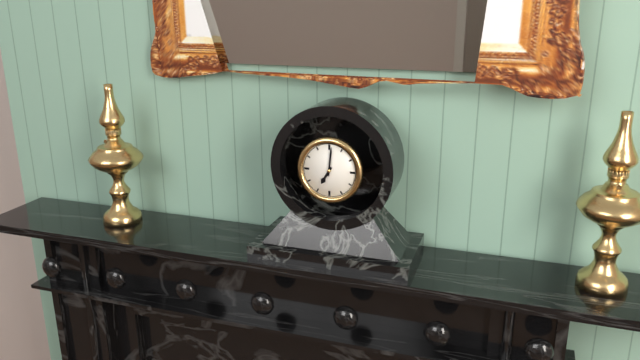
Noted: 7,01
